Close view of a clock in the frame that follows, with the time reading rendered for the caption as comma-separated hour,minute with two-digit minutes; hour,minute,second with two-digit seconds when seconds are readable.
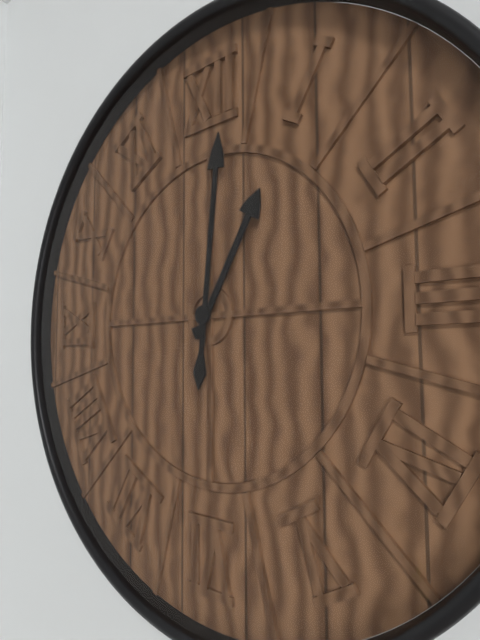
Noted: 1,01
